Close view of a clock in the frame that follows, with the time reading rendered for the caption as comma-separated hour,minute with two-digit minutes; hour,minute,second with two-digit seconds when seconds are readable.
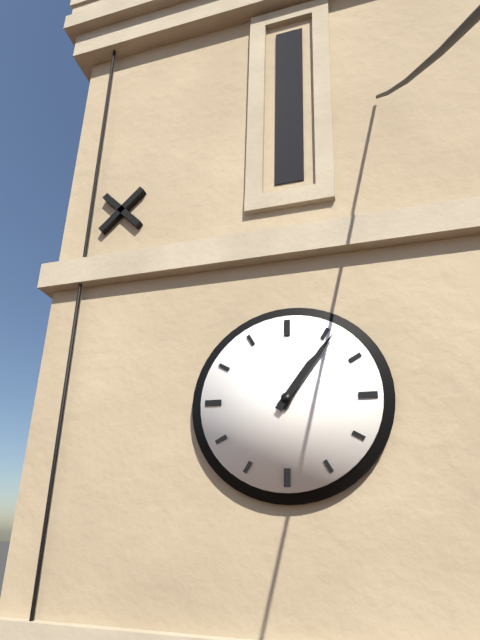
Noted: 1,06
